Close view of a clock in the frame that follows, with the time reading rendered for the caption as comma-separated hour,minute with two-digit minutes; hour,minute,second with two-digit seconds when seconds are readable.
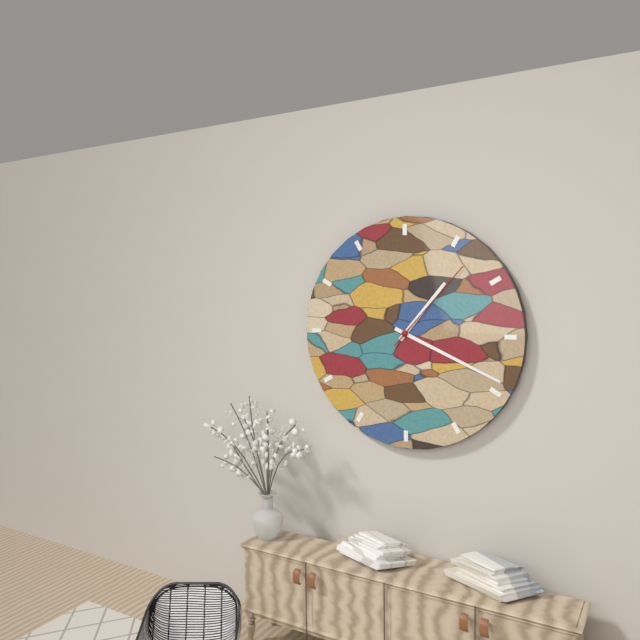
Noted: 1,19,07
